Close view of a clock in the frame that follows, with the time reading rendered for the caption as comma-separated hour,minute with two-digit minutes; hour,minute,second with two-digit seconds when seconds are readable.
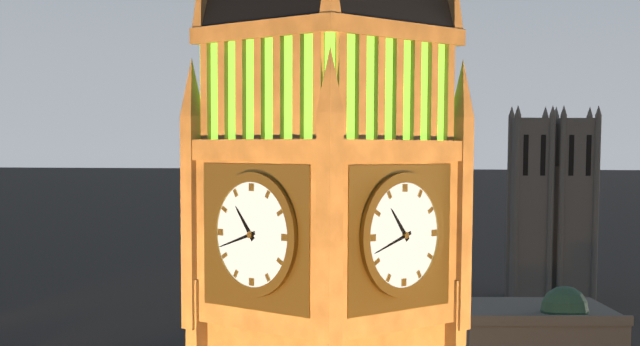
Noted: 10,42
